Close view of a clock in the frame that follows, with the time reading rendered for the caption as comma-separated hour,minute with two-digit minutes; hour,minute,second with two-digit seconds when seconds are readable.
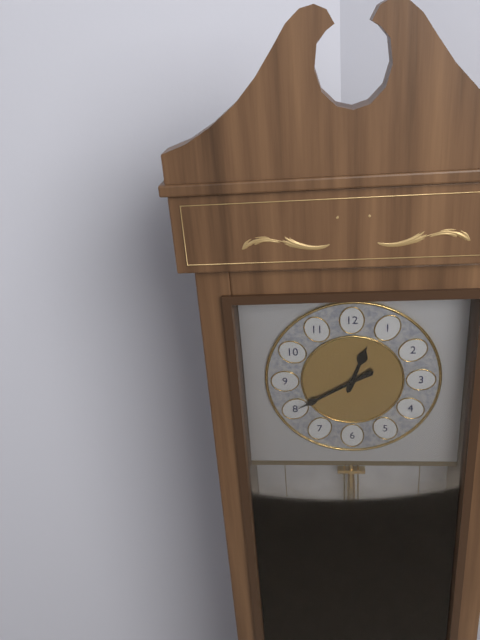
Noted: 12,40
